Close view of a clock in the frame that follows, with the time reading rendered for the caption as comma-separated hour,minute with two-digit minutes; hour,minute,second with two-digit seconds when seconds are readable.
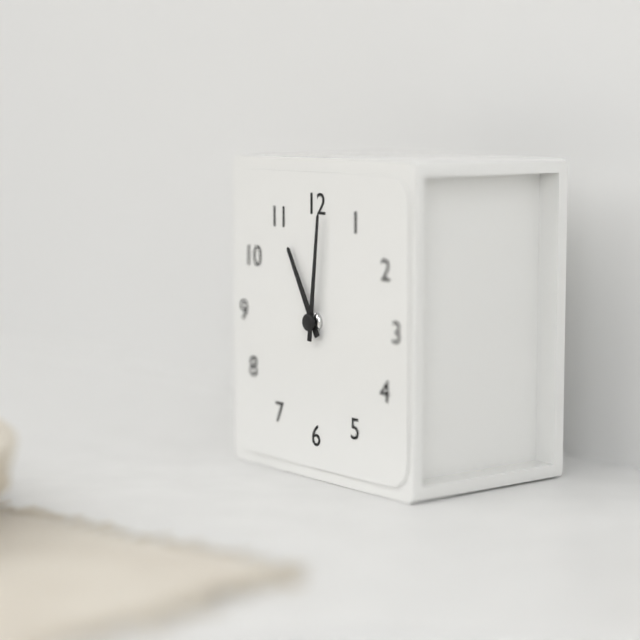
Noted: 11,01
